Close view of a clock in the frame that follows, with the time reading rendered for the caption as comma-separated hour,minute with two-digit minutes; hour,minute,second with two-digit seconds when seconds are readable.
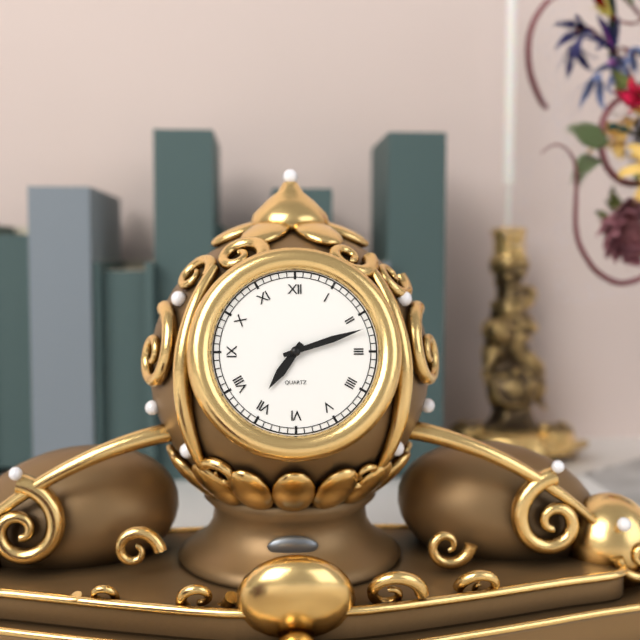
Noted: 7,12
